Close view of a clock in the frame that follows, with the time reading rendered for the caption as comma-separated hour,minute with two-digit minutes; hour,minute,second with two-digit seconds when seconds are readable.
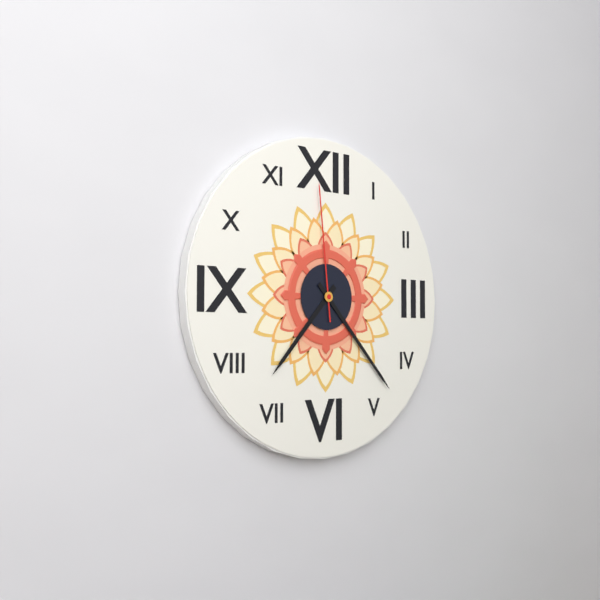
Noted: 7,23,59
